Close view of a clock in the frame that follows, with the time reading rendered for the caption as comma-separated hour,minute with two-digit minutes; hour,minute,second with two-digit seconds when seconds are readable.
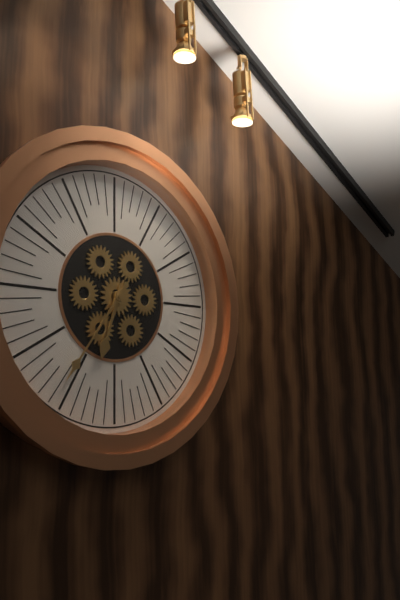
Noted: 6,36
